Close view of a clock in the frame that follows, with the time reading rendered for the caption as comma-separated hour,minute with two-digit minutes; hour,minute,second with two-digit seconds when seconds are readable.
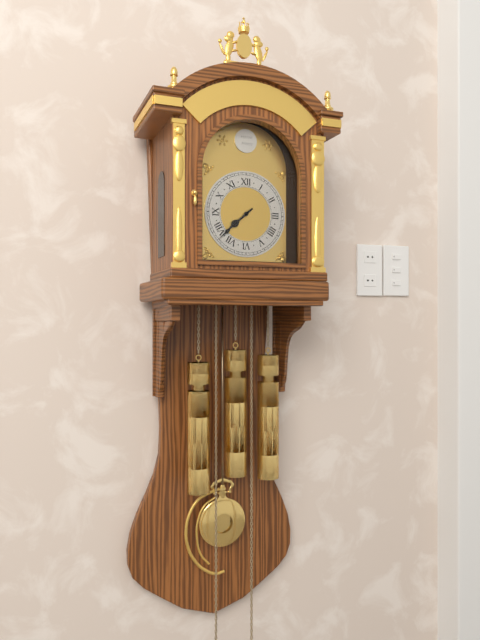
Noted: 7,38
